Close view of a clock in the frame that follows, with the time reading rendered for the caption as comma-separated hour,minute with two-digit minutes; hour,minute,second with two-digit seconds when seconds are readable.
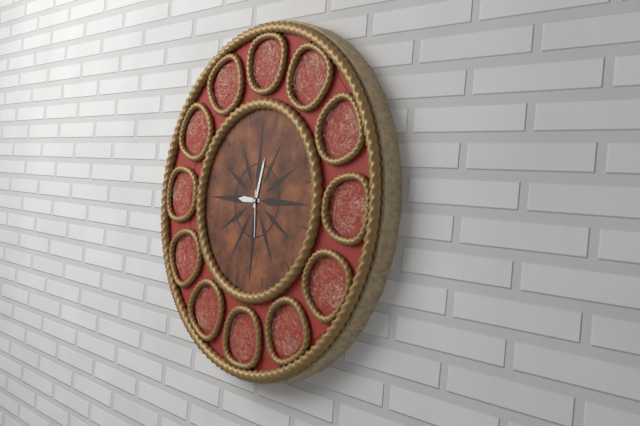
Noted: 9,02
